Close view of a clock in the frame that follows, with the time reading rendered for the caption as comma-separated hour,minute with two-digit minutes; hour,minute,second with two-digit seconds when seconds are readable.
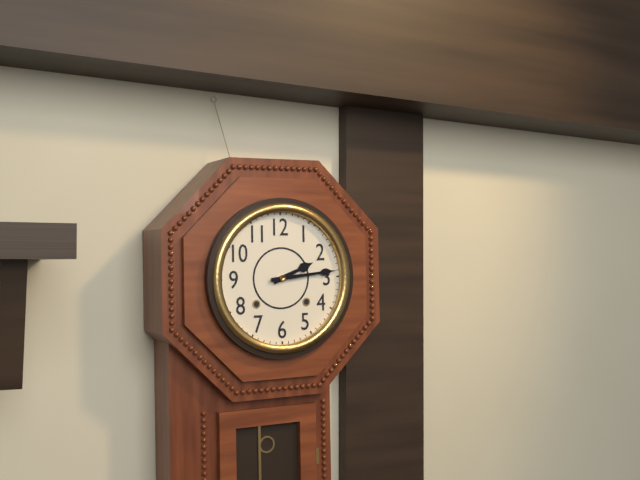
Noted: 2,14
